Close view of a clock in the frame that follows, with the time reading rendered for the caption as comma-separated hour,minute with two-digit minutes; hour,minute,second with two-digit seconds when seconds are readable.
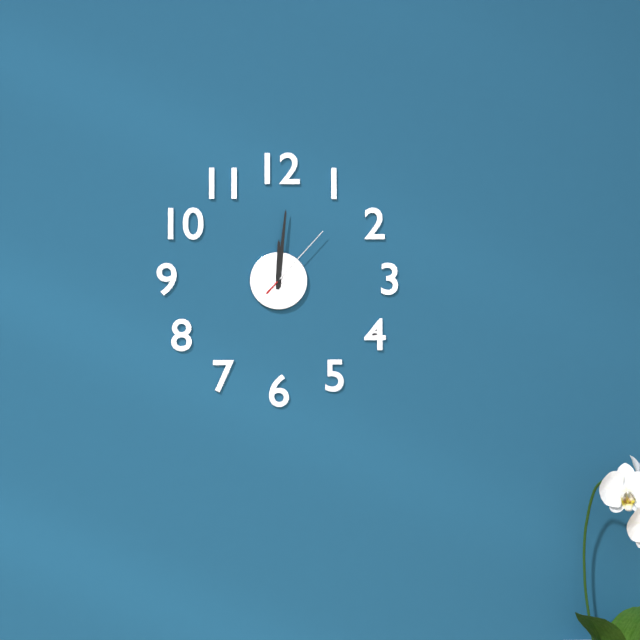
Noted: 12,01,07
